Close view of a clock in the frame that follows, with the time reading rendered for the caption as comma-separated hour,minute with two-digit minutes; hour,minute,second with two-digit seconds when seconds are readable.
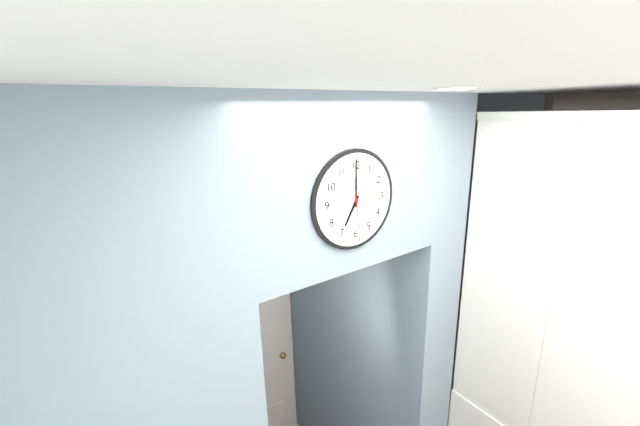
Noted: 7,00,29
